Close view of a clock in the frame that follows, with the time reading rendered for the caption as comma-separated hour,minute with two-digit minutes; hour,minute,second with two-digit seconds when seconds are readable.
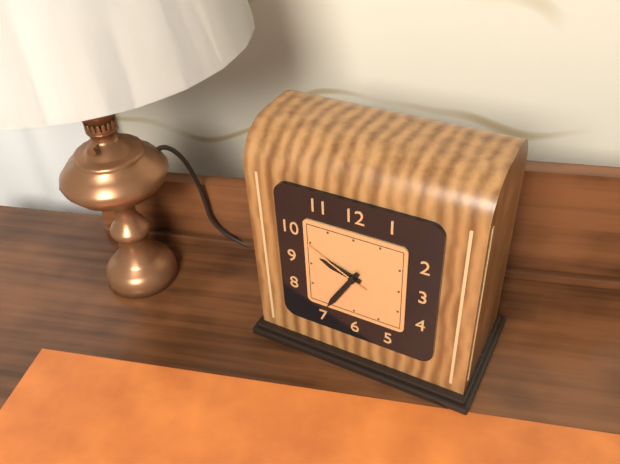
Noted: 9,35,50
